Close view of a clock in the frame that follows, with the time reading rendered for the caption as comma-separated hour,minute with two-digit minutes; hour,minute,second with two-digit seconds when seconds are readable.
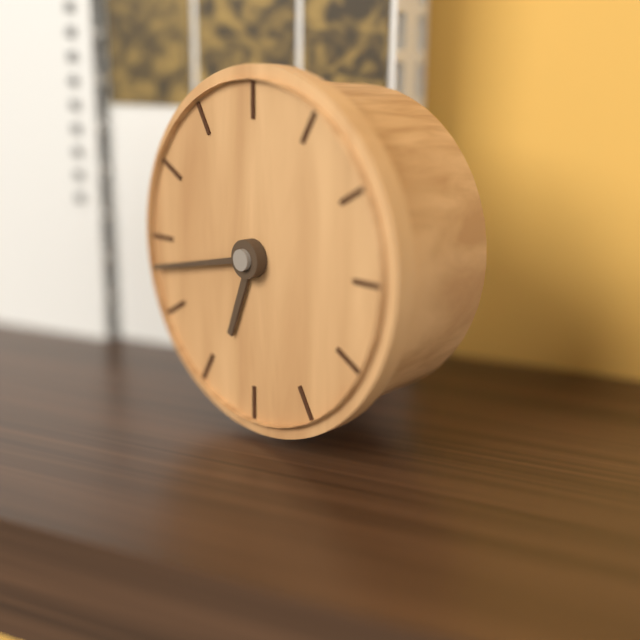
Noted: 6,43
